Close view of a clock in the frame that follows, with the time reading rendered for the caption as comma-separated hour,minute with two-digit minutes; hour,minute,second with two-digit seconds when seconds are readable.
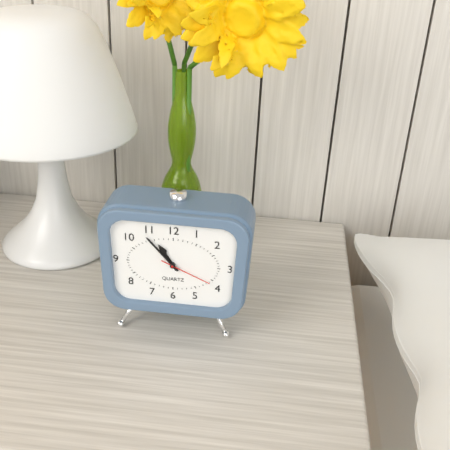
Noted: 10,53,19
